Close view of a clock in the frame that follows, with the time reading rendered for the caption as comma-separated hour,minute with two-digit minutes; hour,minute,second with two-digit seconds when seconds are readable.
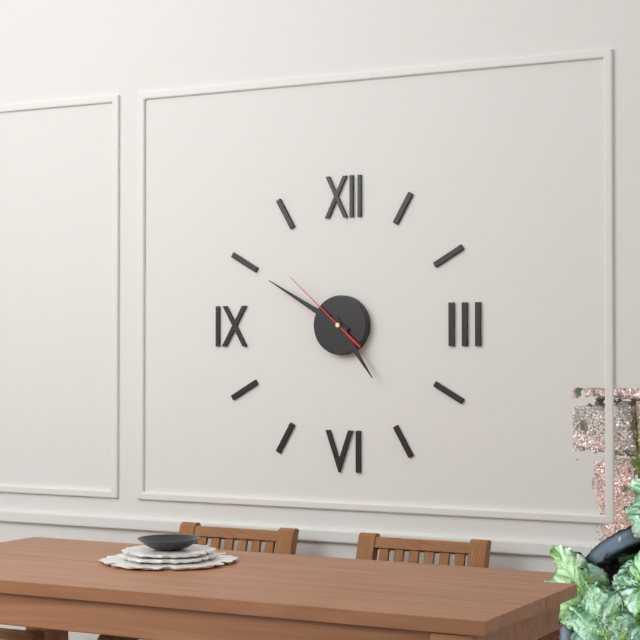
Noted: 4,50,52
